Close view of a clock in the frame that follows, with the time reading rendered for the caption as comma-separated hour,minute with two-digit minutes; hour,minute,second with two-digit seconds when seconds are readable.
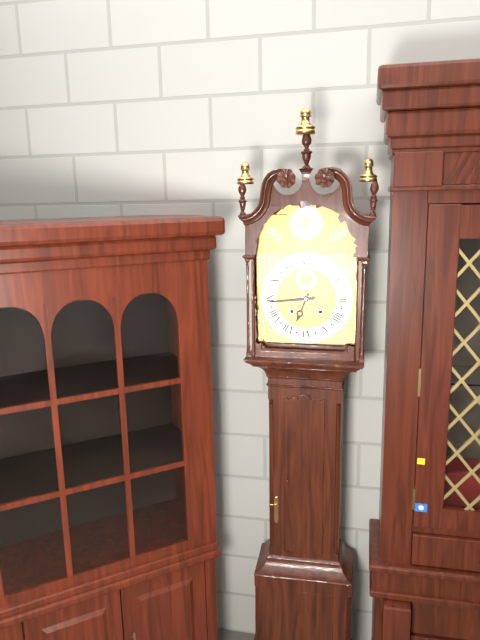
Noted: 6,44
